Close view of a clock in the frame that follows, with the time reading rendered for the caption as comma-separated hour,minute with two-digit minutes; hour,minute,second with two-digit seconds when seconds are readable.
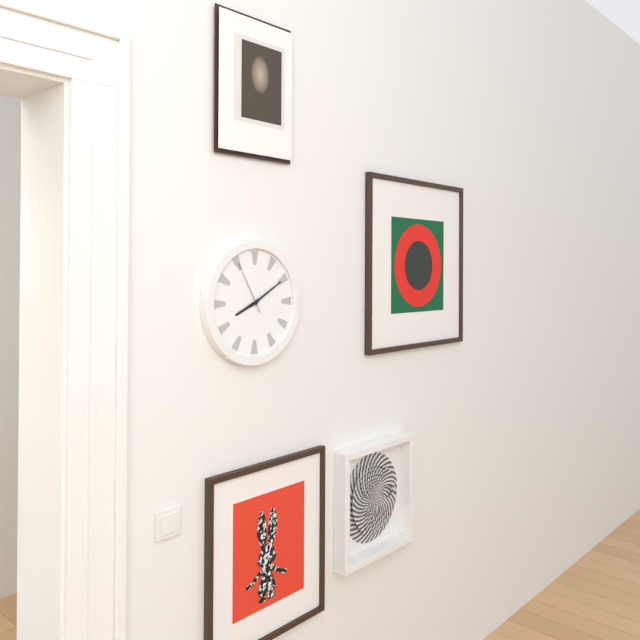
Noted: 8,10,55
